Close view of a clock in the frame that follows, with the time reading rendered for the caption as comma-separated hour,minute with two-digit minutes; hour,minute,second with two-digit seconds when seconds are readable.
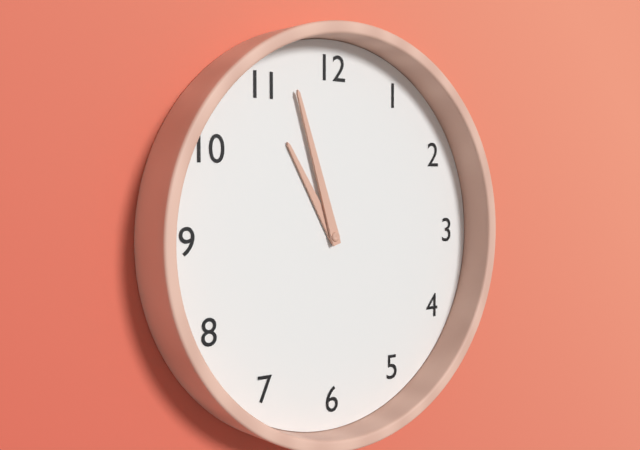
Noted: 10,57
